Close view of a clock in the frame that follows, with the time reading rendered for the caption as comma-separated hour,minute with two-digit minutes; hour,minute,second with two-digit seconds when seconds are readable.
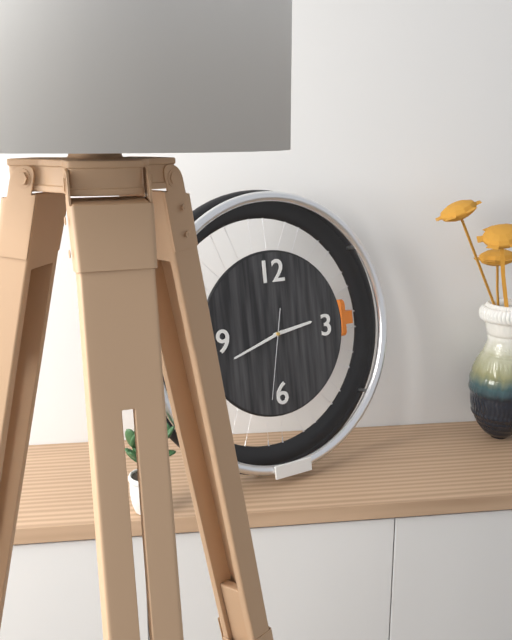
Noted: 2,42,32
